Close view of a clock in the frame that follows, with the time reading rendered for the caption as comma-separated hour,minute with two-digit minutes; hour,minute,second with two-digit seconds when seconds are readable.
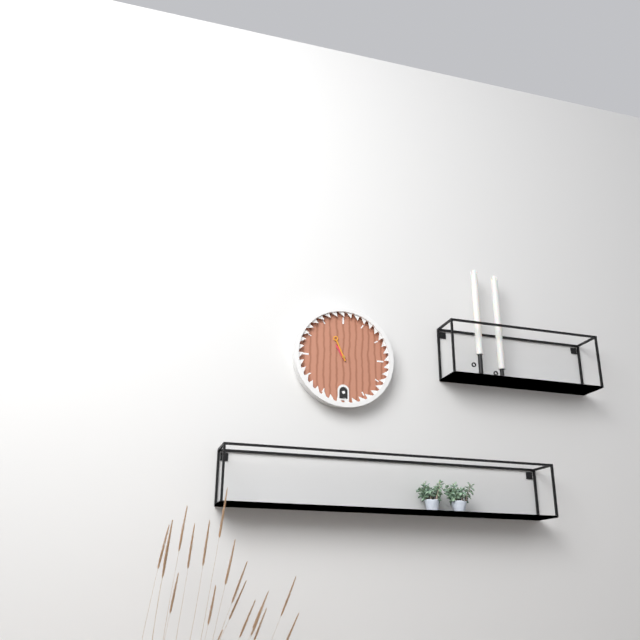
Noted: 10,56
